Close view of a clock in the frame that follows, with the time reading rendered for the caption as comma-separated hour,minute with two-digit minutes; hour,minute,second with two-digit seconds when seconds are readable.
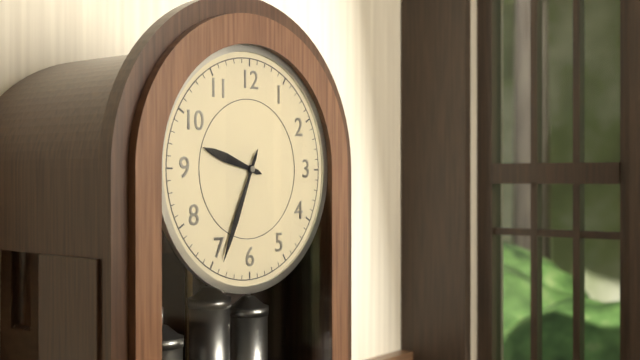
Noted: 9,34
